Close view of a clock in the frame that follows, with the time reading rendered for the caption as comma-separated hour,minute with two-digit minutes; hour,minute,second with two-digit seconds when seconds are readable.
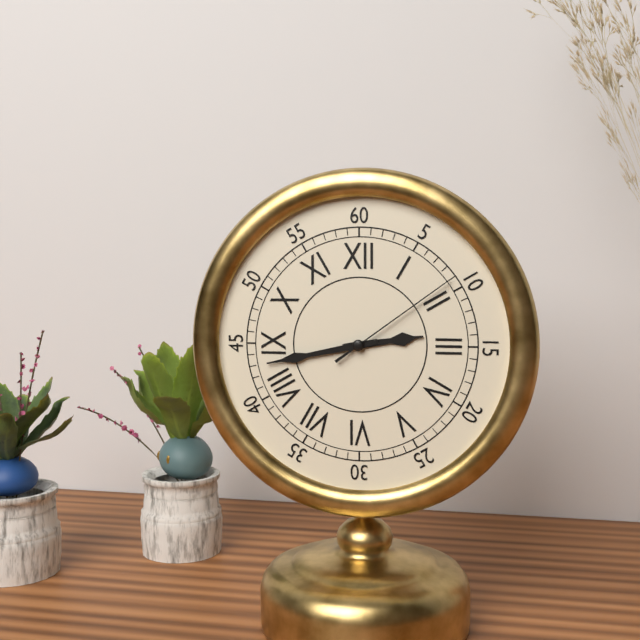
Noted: 2,43,09
